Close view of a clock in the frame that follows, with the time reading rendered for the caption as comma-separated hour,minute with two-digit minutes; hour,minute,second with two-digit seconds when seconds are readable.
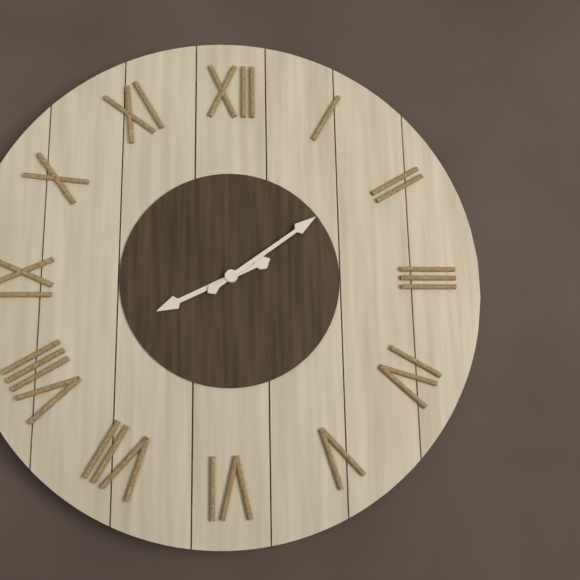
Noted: 8,09
